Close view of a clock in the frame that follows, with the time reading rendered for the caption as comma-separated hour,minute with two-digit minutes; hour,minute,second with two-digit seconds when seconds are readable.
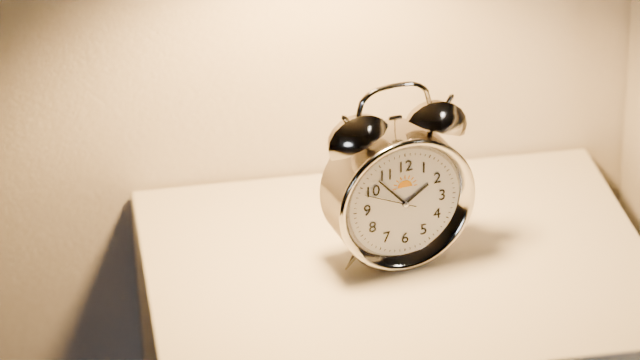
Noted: 1,53,49
